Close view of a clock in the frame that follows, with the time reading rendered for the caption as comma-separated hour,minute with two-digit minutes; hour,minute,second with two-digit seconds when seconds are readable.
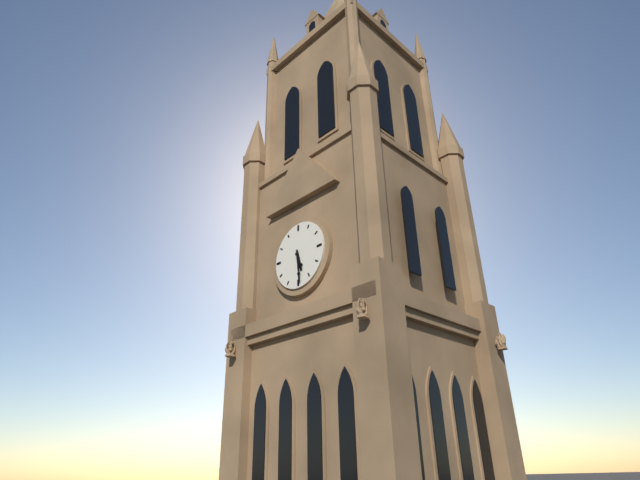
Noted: 5,29
